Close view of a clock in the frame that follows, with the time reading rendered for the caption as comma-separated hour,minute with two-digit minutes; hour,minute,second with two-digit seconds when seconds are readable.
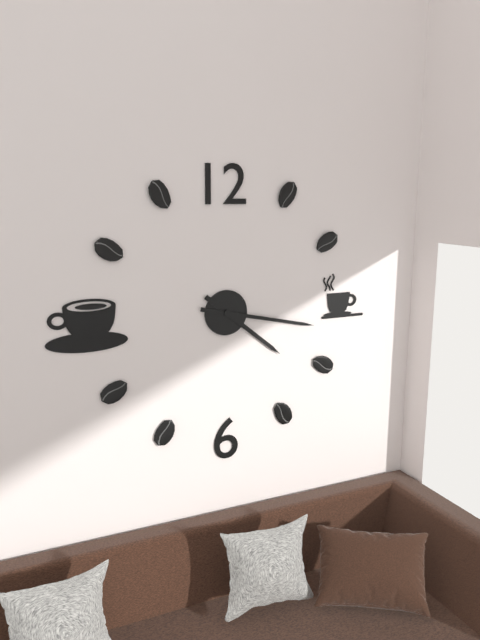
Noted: 4,17
